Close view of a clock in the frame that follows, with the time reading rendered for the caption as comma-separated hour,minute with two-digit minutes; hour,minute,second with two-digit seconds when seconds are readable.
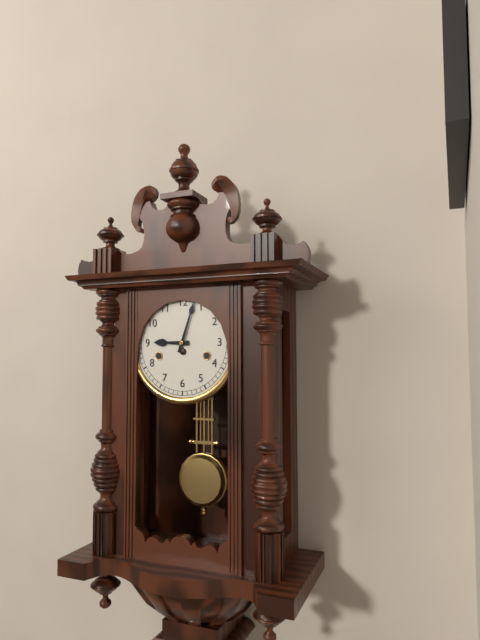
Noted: 9,03
